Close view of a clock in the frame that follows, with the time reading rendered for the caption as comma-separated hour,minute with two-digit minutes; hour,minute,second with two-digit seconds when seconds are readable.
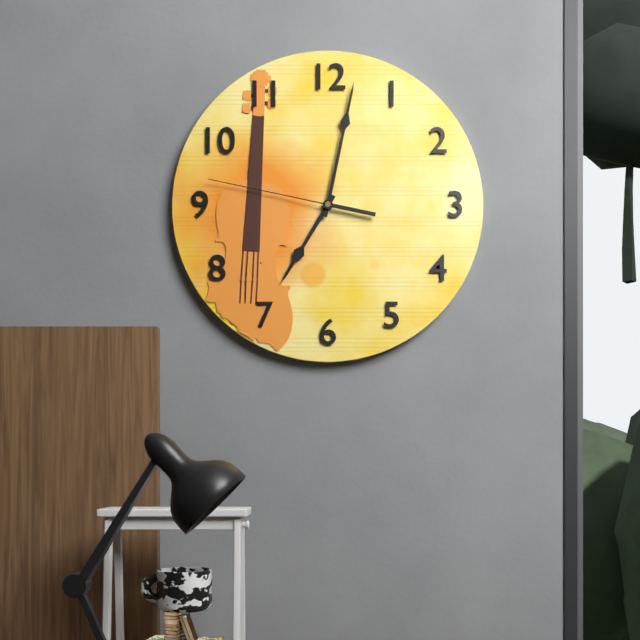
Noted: 7,02,47
